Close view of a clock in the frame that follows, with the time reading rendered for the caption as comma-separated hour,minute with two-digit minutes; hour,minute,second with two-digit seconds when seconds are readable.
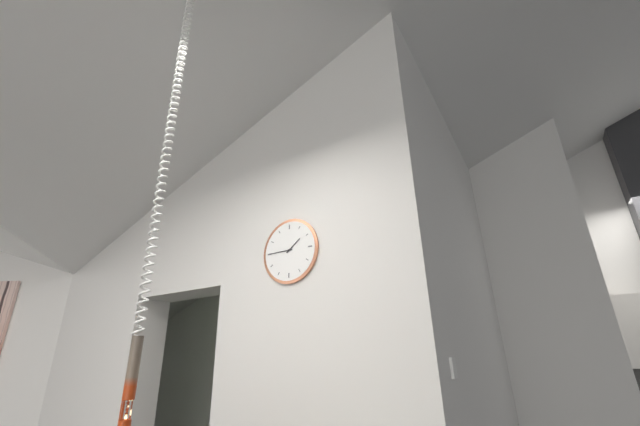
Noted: 1,45
